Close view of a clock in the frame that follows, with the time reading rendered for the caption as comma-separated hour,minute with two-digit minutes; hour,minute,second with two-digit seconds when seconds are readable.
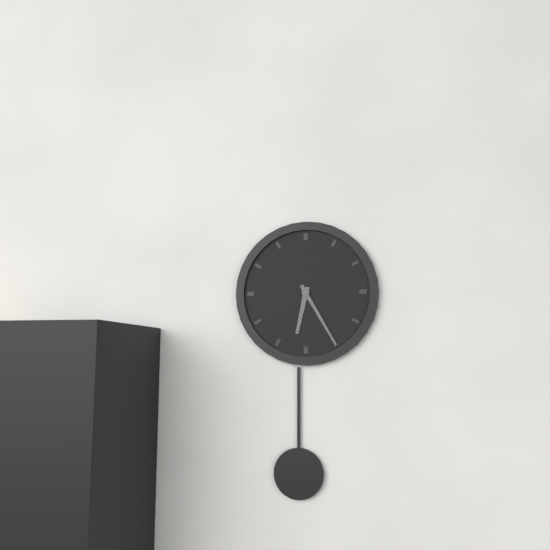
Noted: 6,25
